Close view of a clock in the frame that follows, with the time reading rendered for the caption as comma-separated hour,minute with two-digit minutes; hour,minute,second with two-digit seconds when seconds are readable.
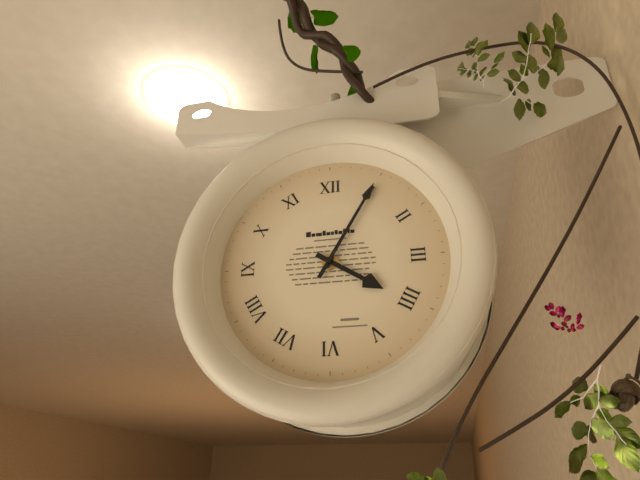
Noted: 4,05
